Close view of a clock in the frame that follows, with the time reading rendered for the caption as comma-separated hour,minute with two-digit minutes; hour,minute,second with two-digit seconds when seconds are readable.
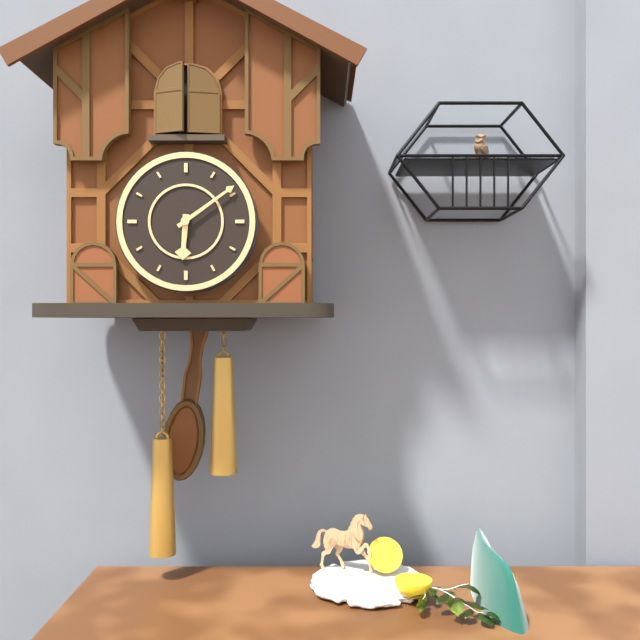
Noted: 6,09
